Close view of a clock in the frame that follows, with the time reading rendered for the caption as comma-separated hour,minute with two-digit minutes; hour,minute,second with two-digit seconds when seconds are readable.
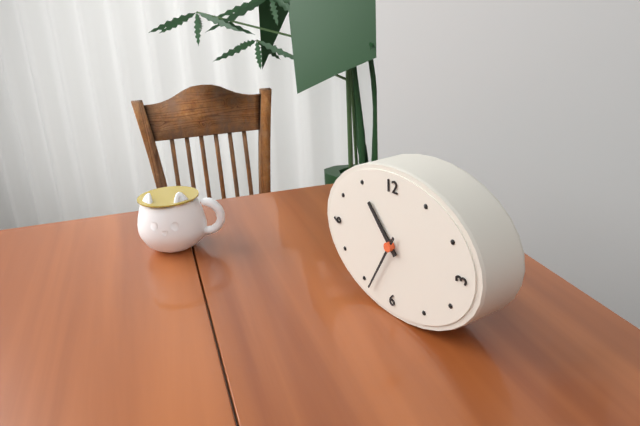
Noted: 10,35
